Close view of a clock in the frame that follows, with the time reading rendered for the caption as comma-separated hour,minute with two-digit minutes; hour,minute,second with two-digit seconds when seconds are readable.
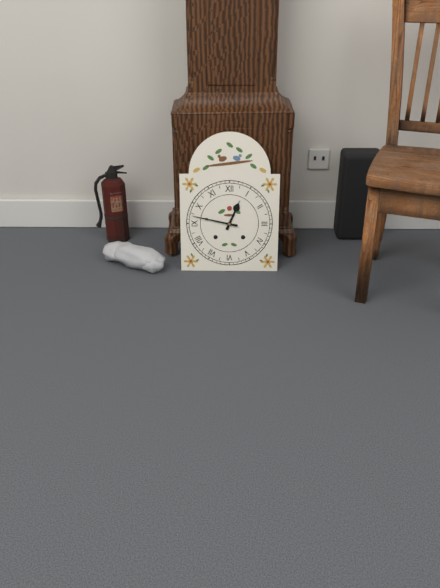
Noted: 12,47
